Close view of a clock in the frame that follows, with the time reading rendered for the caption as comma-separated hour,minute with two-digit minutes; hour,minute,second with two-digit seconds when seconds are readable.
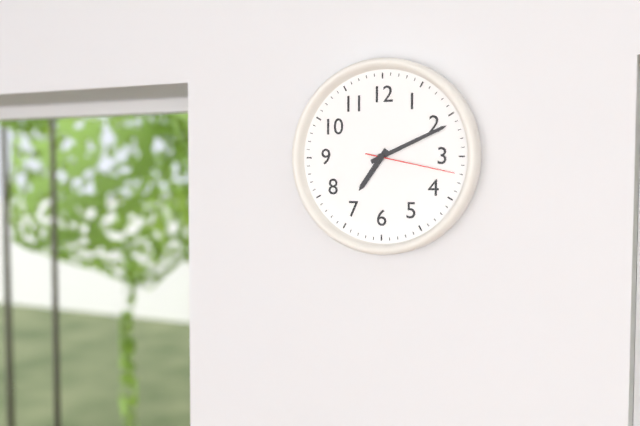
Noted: 7,11,17
